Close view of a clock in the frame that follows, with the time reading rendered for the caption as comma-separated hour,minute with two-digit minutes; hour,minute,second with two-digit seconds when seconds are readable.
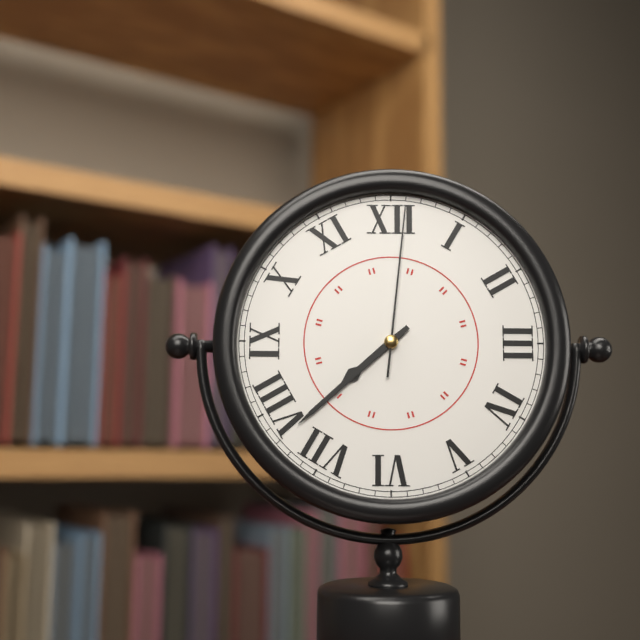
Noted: 7,38,01
